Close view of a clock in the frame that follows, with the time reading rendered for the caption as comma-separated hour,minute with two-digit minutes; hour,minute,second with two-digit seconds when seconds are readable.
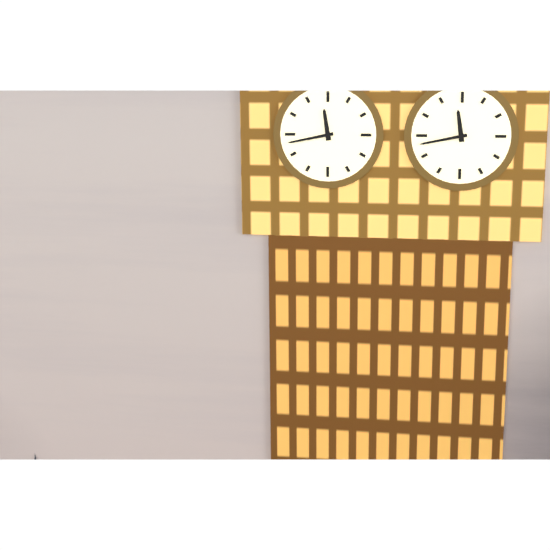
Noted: 11,43
